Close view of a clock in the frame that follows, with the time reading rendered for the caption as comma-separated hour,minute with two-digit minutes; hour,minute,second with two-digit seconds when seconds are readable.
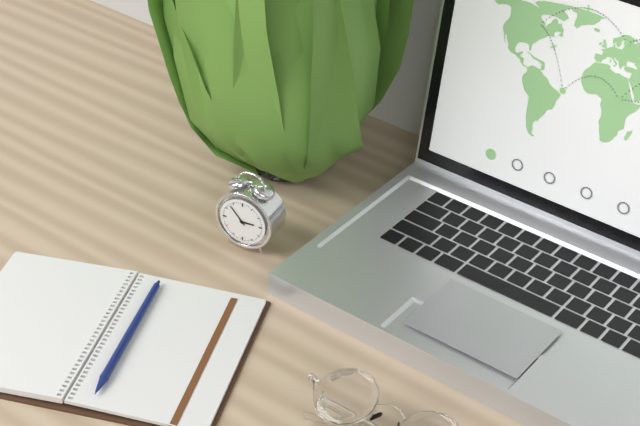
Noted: 2,53
